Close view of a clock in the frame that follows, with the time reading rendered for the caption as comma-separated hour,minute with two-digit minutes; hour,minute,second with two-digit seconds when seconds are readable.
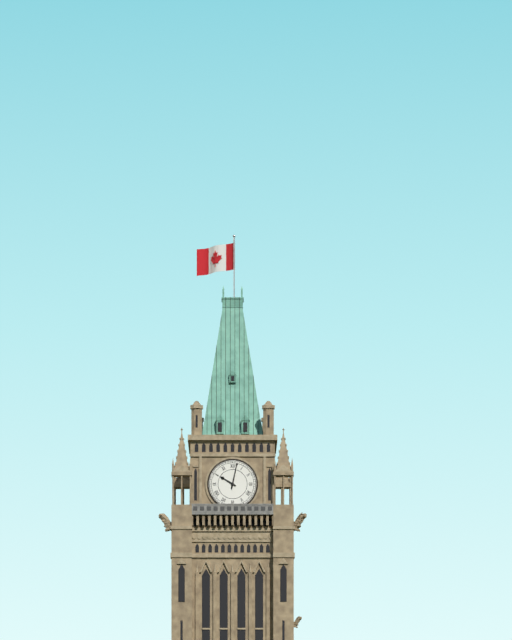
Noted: 10,02
